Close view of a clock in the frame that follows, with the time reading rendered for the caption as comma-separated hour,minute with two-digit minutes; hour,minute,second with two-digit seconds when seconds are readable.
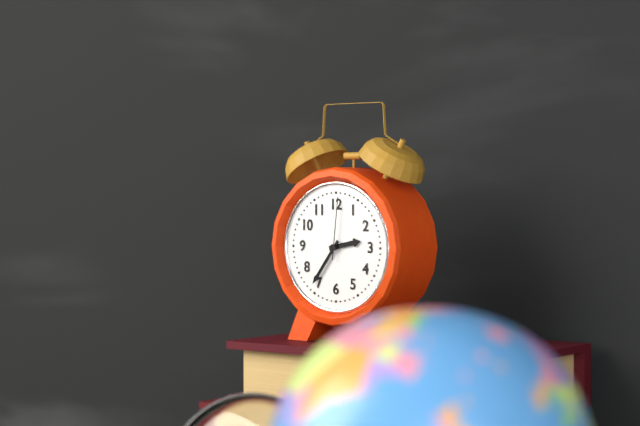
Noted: 2,36,01
